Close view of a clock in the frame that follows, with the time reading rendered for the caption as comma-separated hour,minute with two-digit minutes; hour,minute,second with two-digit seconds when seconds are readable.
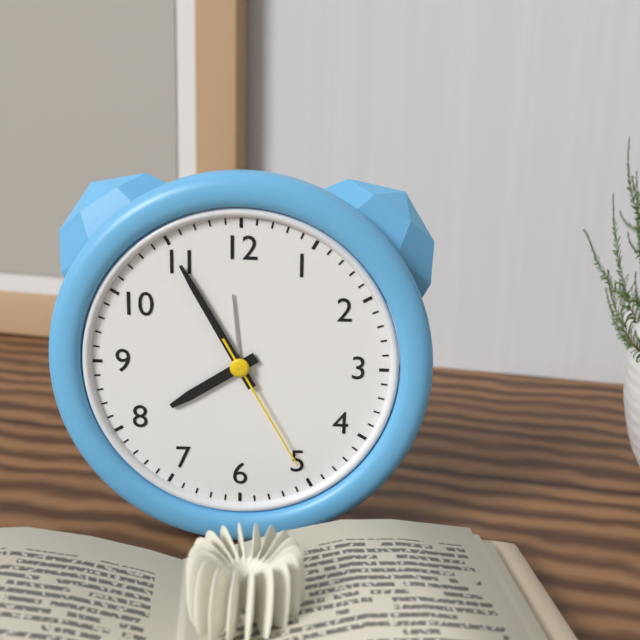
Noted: 7,55,25
